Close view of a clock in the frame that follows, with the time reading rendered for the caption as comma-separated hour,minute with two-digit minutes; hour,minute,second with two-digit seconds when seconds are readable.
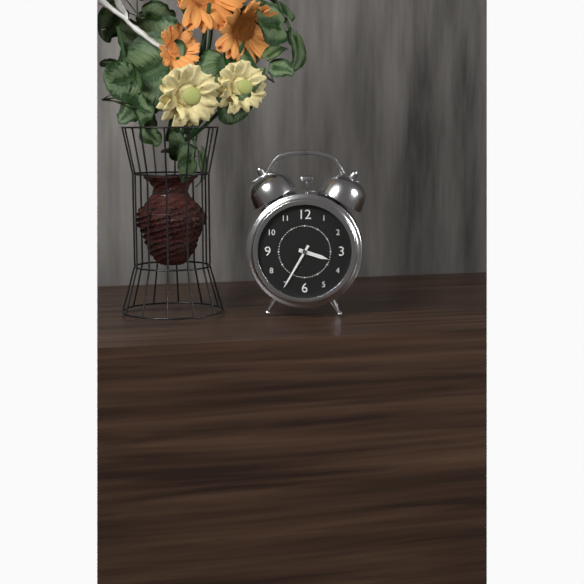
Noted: 3,35
